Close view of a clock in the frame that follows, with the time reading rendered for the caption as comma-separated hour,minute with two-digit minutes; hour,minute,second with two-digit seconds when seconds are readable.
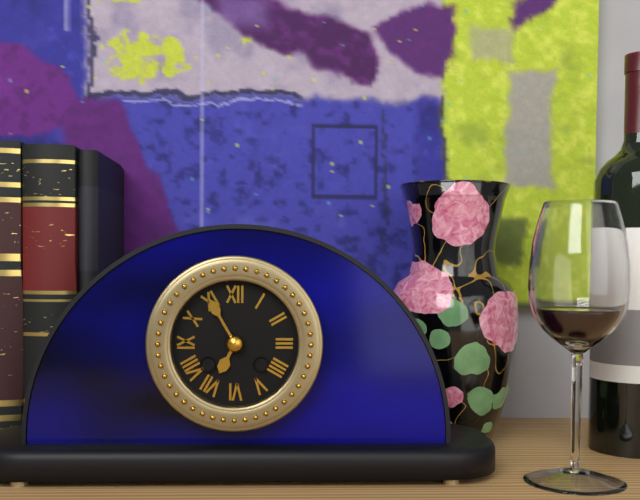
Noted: 6,55
